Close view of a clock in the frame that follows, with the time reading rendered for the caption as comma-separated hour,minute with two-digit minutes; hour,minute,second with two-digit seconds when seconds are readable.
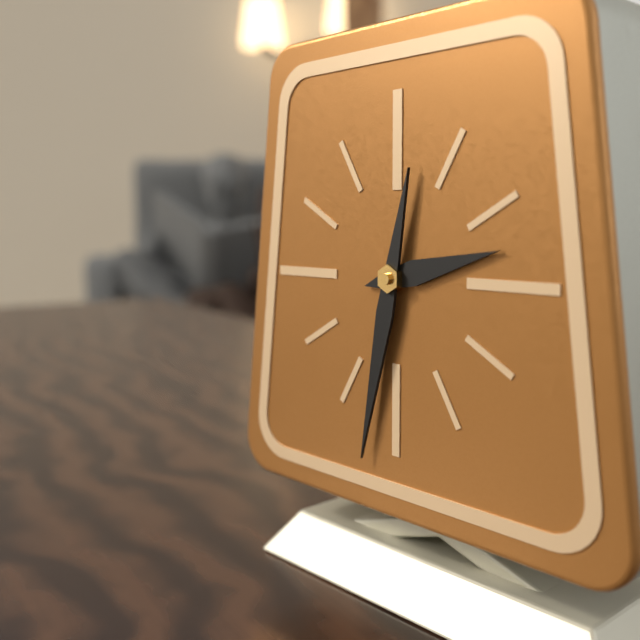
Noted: 2,32
